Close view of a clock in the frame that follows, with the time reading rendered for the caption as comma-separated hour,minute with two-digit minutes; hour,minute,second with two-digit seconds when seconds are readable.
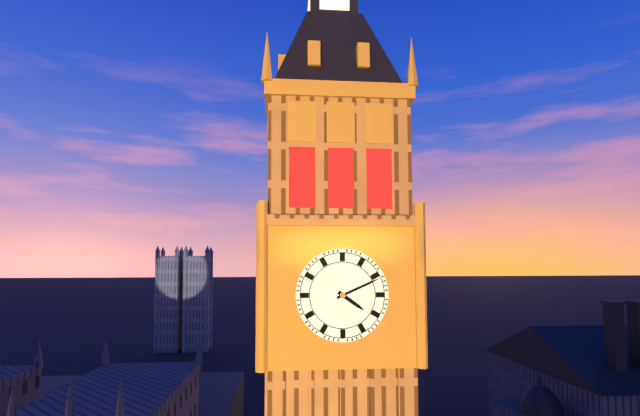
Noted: 4,11
